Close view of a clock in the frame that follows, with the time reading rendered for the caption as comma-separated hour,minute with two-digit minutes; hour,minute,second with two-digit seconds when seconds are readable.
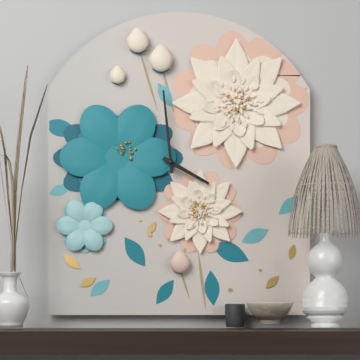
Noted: 3,59
